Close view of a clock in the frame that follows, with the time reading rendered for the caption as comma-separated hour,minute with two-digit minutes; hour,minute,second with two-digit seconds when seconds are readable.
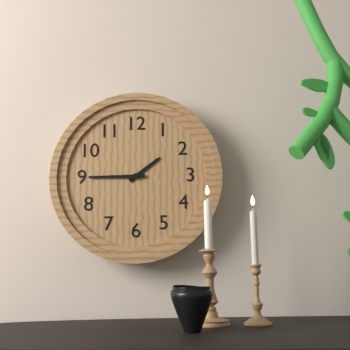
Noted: 1,45
